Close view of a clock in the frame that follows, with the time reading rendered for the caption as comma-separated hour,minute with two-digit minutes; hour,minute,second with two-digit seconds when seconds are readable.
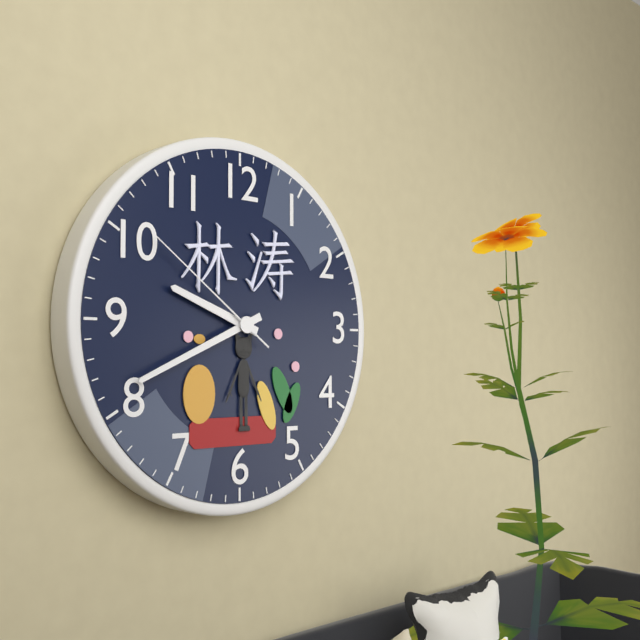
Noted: 9,41,51
